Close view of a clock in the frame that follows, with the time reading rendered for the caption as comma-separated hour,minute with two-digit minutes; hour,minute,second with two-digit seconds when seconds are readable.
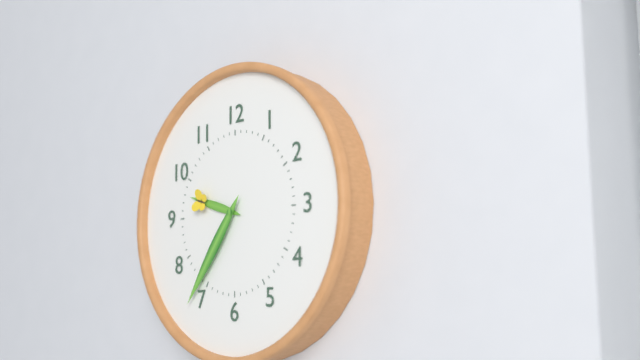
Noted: 9,36
